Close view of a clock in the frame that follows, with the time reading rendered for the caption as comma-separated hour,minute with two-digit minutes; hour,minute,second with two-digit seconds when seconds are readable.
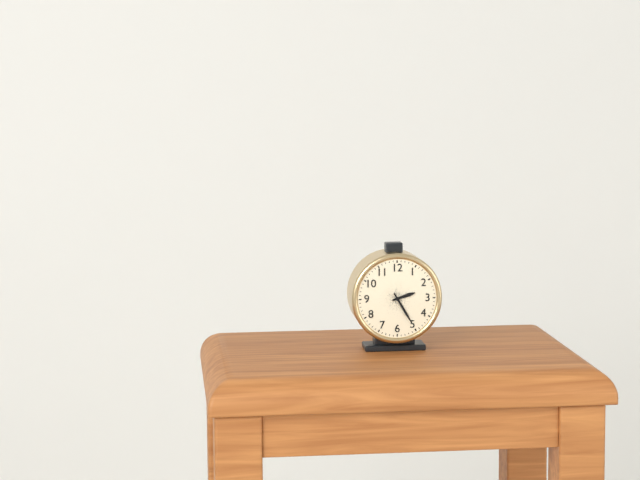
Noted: 2,25
